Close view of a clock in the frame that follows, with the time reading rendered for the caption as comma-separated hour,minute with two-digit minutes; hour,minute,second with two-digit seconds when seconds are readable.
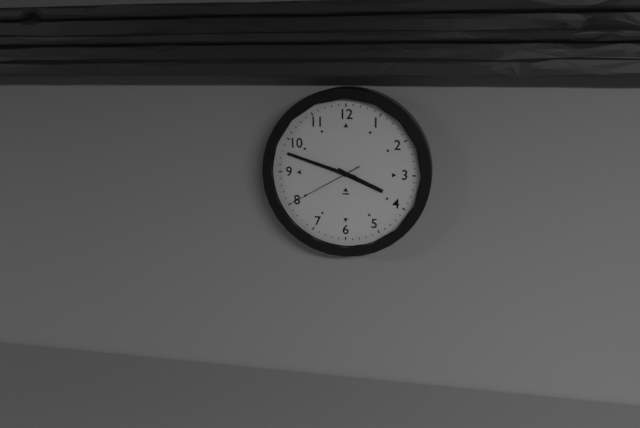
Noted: 3,48,40
